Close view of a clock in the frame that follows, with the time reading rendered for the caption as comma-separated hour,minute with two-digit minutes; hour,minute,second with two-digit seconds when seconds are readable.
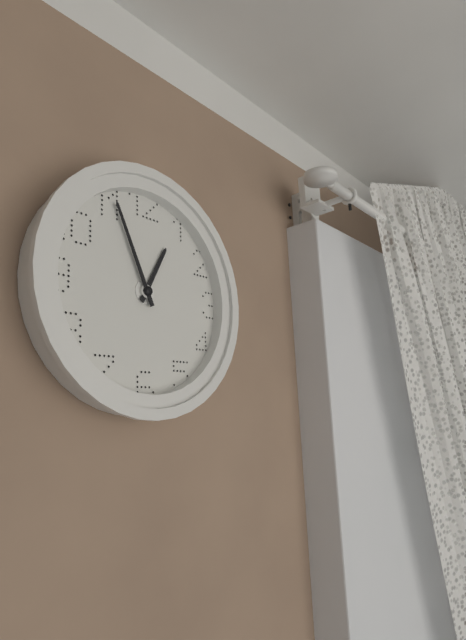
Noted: 12,56
